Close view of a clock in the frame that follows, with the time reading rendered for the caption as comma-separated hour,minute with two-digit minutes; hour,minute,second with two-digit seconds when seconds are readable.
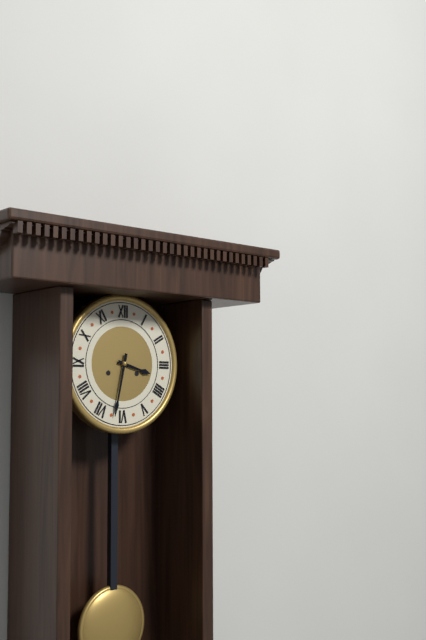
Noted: 3,32
